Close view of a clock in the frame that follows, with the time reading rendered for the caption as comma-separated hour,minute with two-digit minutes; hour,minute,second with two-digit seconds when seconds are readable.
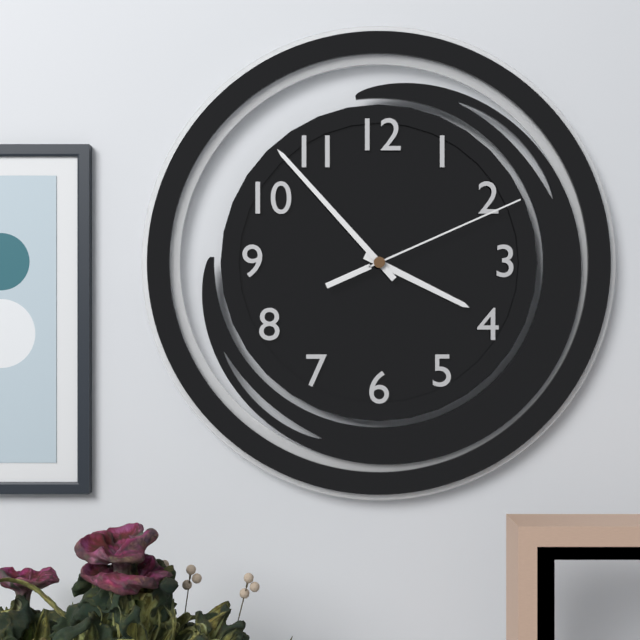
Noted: 3,53,11
